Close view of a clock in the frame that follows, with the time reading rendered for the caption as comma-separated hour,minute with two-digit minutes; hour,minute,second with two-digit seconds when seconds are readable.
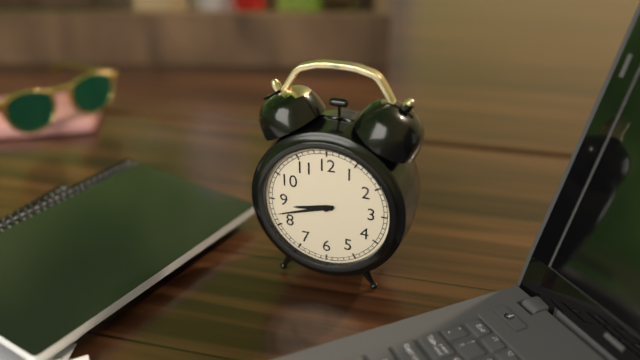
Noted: 8,42
